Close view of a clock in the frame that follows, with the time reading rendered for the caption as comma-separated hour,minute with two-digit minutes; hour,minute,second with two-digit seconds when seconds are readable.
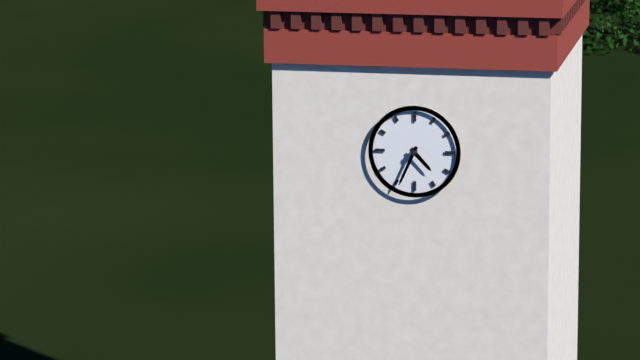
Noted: 4,34
